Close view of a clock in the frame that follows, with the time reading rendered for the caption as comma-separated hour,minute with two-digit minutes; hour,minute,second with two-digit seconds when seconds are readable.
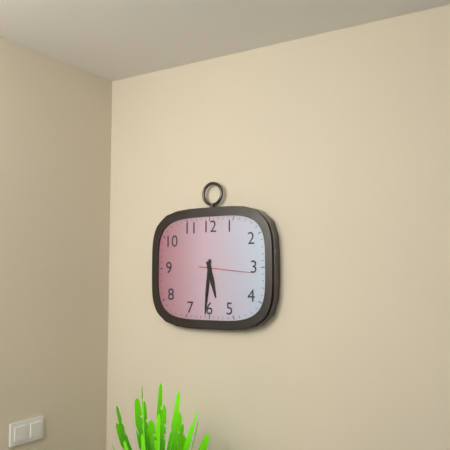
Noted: 5,31,16
